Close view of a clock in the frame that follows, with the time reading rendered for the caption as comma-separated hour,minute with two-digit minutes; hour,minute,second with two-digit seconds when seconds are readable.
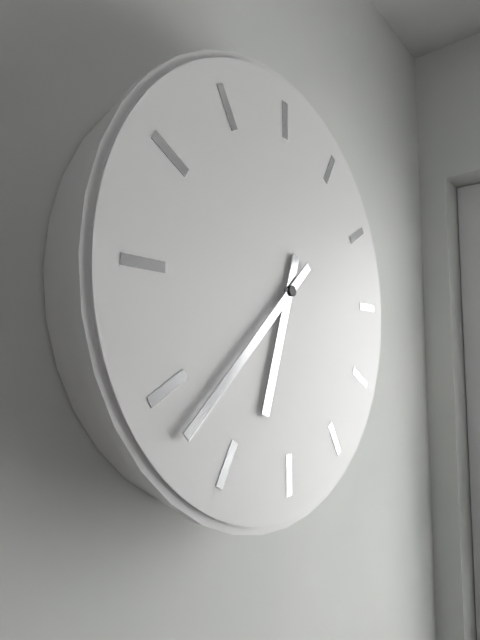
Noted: 6,38
